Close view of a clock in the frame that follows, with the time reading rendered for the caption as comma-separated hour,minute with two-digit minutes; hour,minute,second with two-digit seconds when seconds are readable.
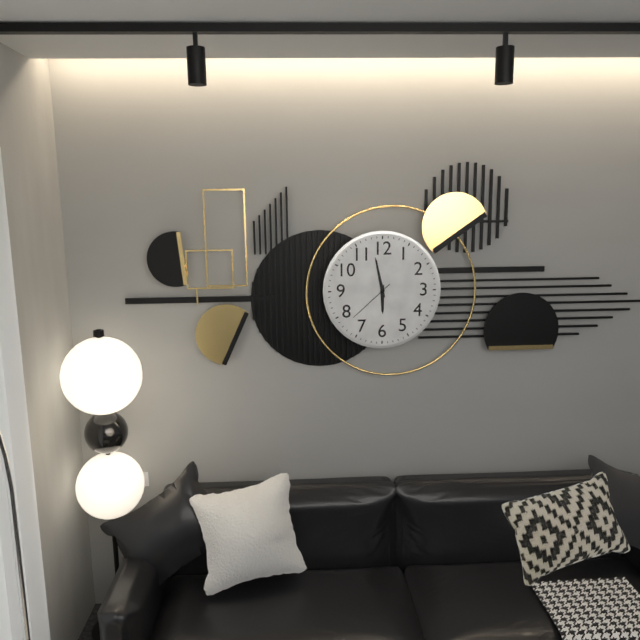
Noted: 5,58
